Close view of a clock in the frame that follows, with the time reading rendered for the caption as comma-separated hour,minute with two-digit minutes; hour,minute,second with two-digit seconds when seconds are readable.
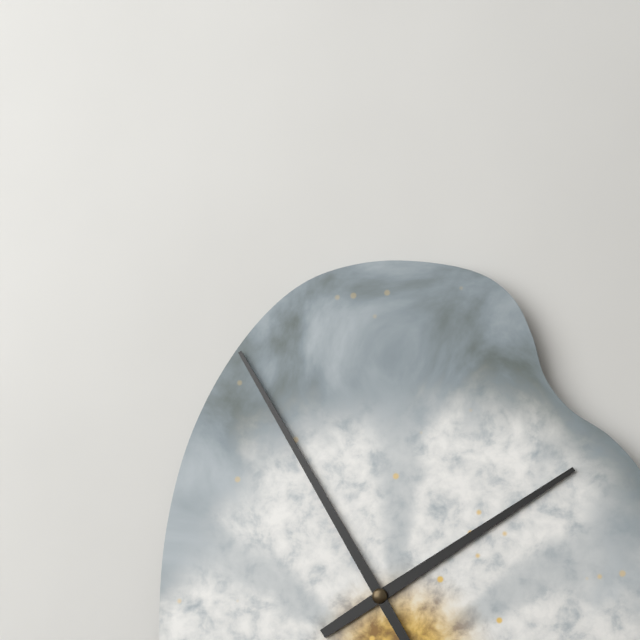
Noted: 1,55
